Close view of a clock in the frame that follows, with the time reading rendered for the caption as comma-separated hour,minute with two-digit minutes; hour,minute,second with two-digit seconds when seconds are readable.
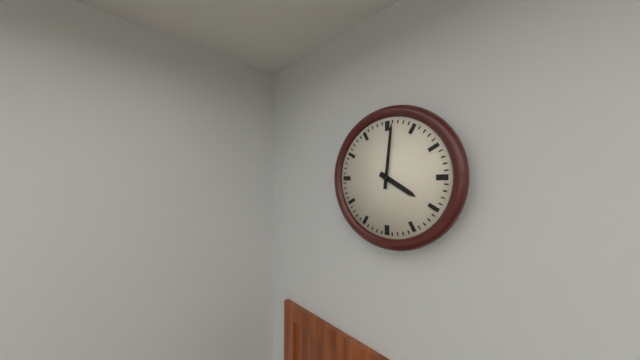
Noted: 4,01
